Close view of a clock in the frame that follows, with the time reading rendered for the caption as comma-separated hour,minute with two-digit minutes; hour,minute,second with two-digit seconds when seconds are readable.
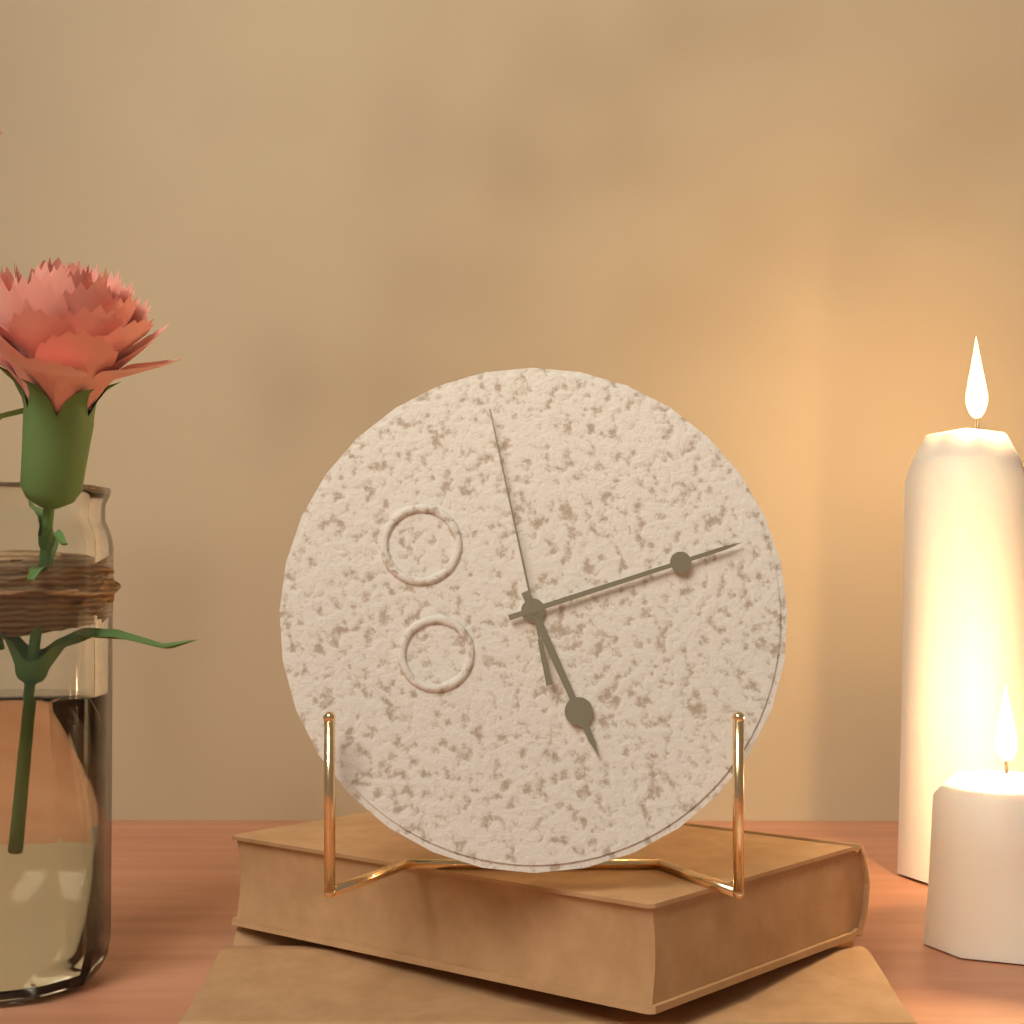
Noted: 5,12,58
